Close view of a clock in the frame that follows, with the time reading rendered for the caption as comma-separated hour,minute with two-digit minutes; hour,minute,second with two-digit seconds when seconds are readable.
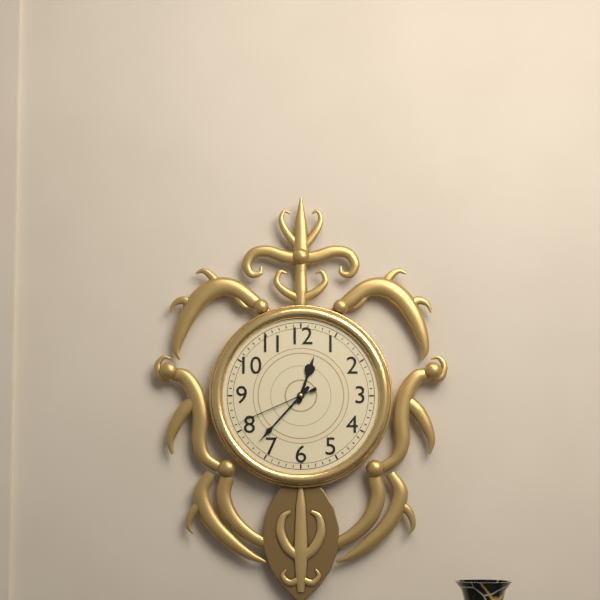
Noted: 12,37,41
